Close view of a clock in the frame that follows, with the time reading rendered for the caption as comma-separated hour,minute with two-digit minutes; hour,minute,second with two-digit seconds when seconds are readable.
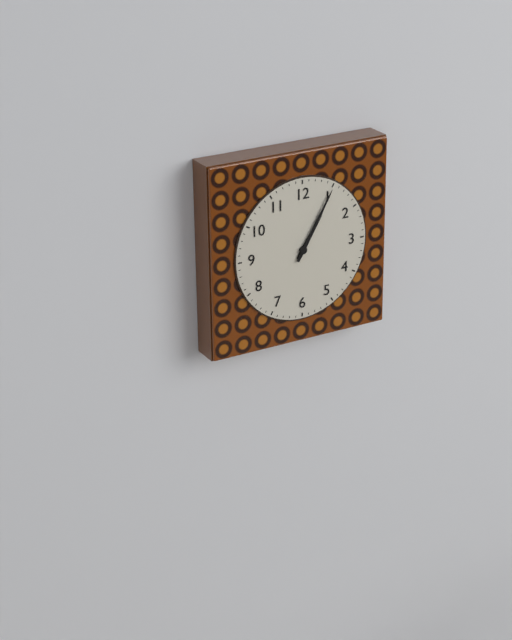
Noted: 1,05
